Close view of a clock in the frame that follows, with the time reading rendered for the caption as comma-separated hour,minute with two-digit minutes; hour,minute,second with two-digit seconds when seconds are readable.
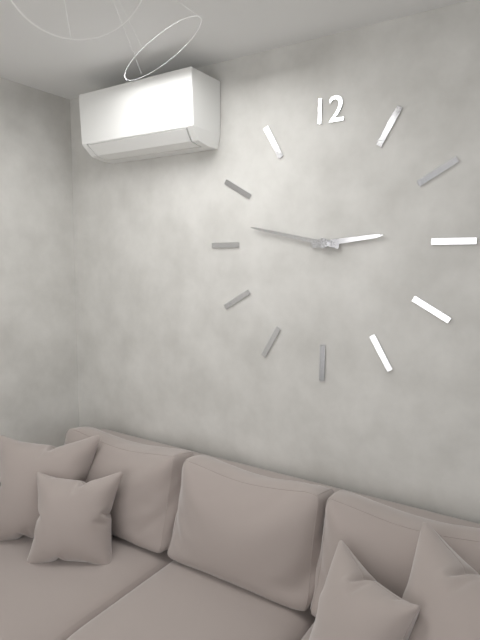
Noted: 2,47
